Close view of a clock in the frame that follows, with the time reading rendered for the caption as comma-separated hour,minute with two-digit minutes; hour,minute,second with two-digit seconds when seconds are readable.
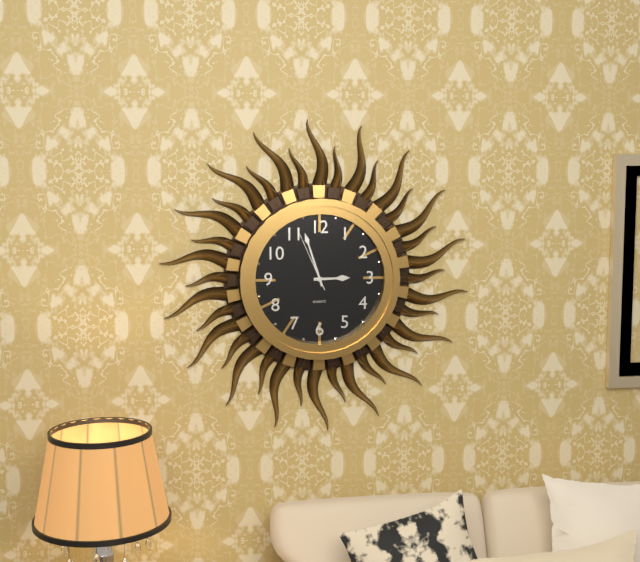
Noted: 2,57,56
